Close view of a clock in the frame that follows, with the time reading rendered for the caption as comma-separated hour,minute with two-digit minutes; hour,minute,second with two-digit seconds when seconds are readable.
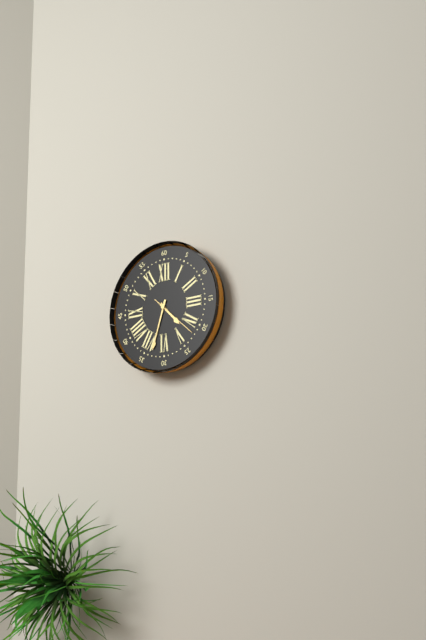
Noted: 4,33
